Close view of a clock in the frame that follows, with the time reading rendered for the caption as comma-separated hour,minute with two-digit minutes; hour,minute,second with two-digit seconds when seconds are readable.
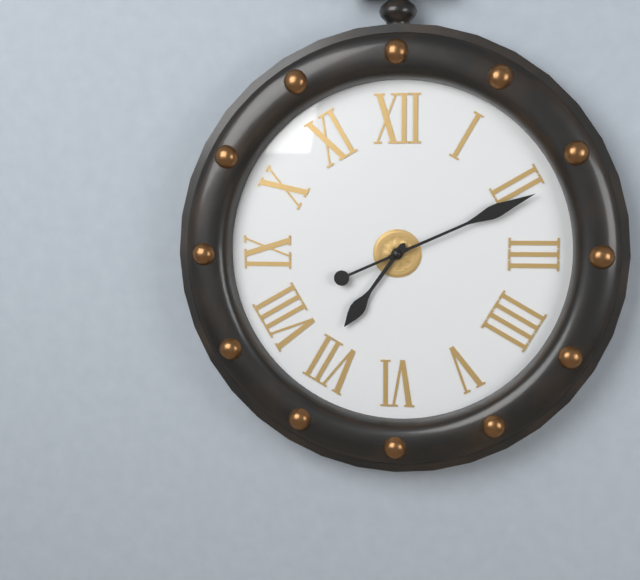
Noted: 7,11
